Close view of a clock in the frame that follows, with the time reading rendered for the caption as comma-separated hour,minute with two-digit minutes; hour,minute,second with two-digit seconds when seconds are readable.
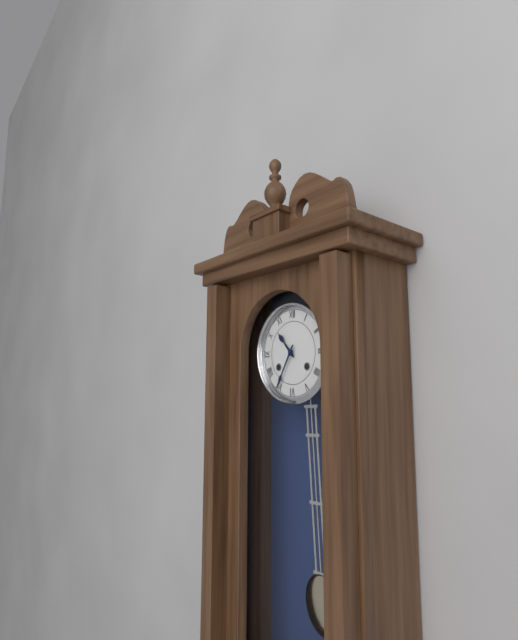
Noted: 10,35
